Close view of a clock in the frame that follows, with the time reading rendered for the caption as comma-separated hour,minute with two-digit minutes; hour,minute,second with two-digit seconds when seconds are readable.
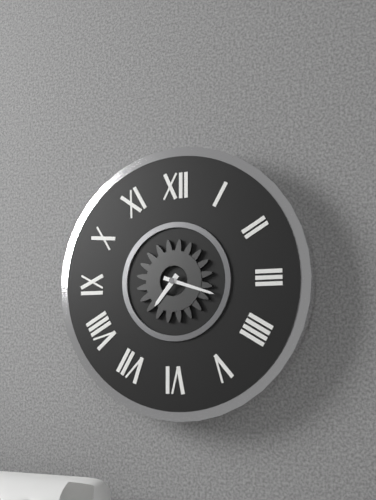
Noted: 7,18
